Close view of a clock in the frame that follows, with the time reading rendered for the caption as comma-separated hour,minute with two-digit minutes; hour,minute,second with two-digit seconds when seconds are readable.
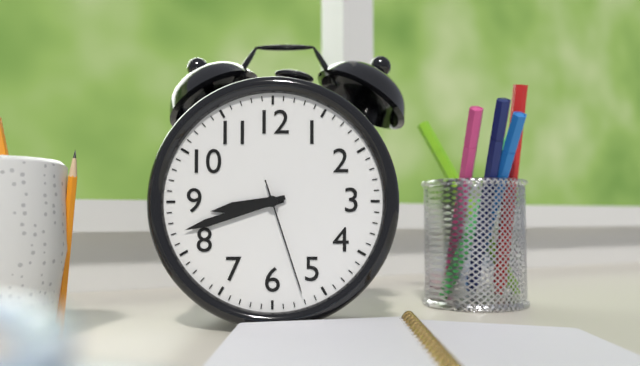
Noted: 8,42,27
